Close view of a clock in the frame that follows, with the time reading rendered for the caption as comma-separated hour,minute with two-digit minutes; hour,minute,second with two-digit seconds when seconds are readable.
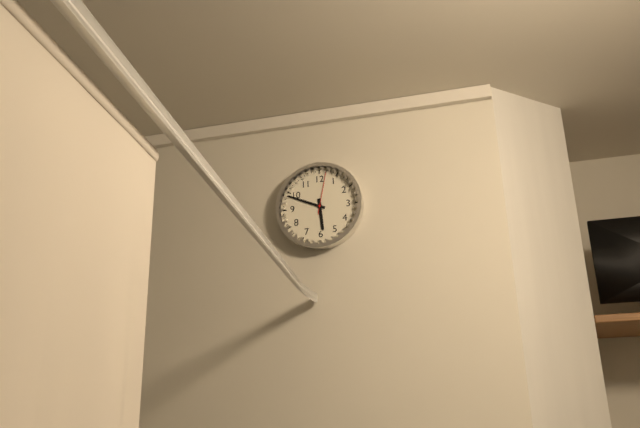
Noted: 5,49
